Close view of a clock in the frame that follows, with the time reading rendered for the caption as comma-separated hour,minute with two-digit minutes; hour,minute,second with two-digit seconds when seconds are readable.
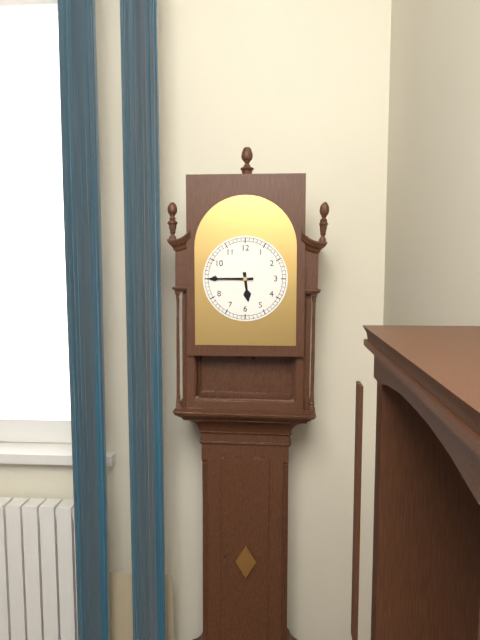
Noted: 5,45
